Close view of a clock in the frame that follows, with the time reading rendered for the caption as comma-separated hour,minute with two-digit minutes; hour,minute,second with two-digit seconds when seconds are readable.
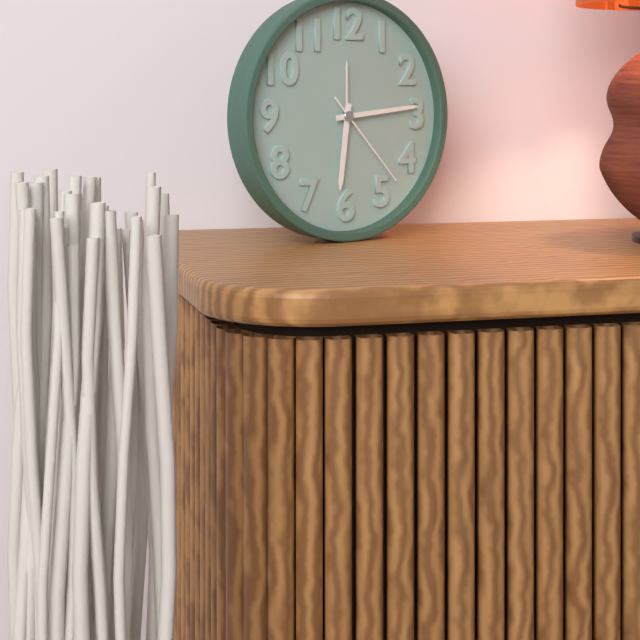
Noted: 6,14,23
